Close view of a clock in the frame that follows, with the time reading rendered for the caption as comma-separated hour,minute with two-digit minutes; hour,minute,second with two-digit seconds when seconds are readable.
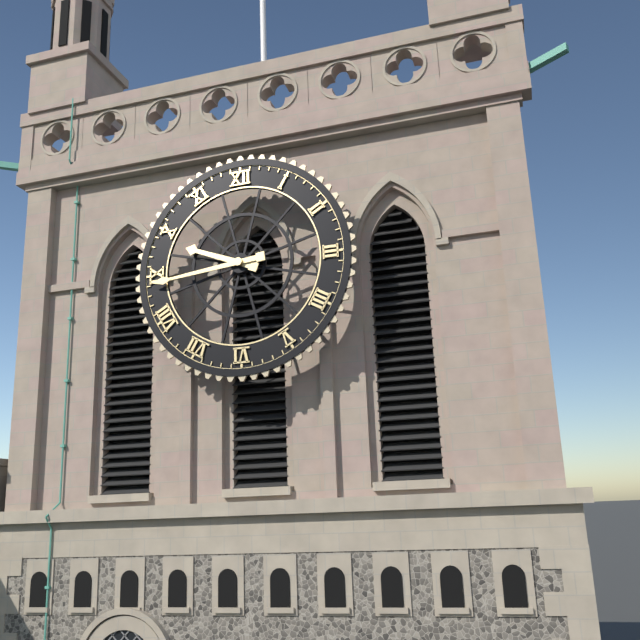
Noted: 9,44
